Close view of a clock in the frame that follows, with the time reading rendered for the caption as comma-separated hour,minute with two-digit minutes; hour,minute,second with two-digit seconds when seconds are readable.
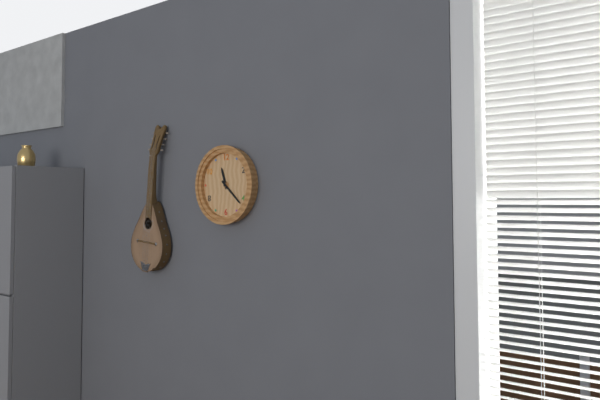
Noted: 11,22
